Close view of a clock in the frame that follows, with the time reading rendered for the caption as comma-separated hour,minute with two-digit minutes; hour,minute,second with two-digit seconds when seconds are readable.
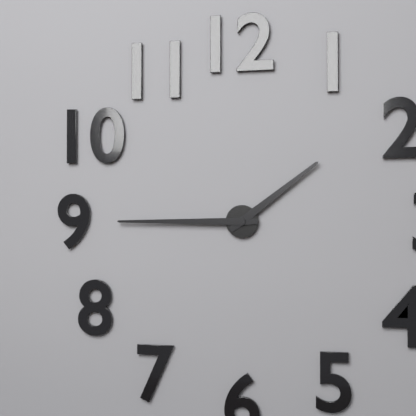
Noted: 1,45
